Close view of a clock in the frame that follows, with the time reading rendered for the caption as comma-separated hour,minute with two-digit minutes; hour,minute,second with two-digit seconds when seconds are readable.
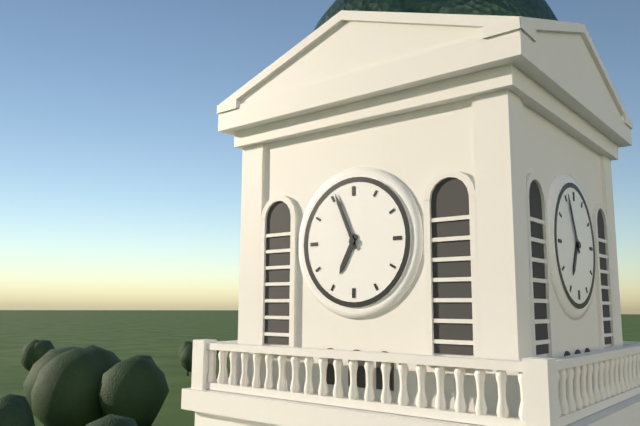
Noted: 6,56
